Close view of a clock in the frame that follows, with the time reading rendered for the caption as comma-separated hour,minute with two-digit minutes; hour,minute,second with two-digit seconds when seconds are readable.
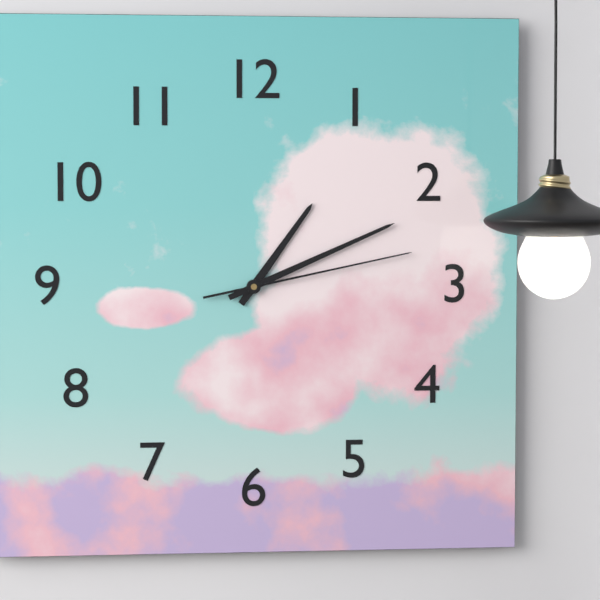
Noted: 1,11,13
